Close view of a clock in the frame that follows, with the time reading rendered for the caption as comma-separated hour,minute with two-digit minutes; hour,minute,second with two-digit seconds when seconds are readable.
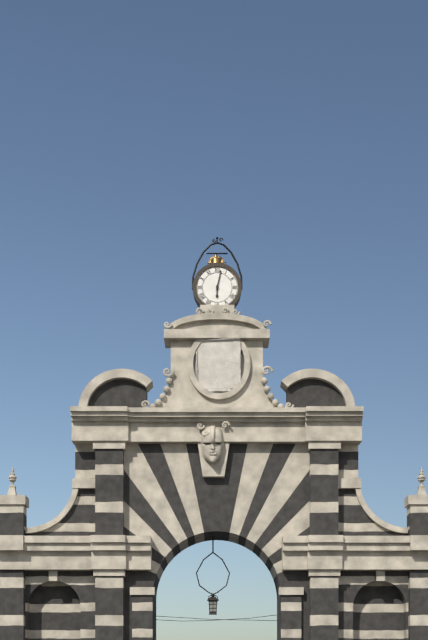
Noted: 6,02
